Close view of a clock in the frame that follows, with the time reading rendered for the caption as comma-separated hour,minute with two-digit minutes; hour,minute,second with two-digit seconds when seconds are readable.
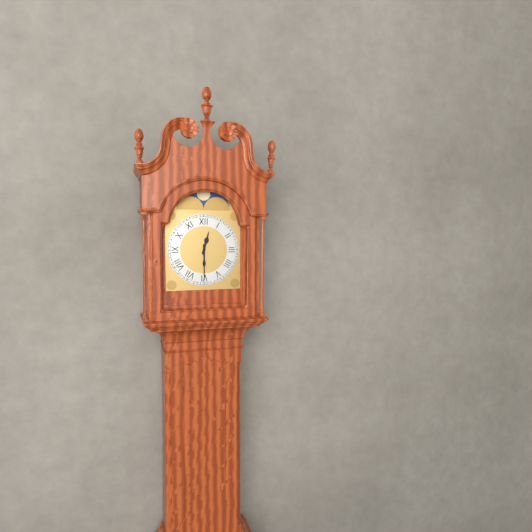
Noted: 12,30
